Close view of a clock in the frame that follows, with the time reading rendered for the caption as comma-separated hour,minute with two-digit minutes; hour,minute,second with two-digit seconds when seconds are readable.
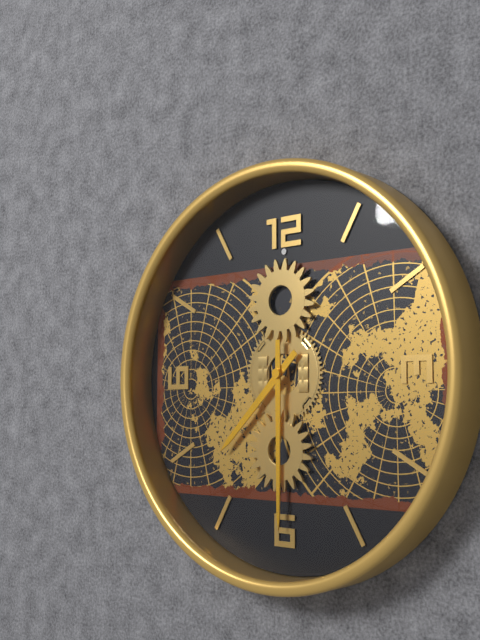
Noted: 7,30
